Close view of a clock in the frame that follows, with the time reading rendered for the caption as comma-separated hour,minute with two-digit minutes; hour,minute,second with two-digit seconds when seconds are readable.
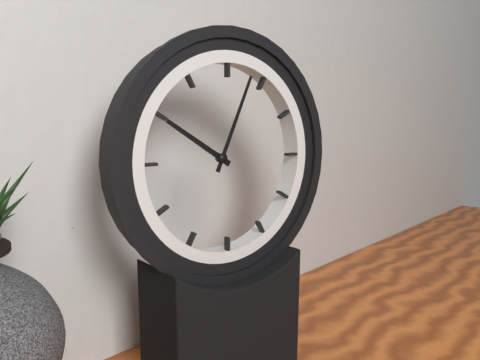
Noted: 10,04
